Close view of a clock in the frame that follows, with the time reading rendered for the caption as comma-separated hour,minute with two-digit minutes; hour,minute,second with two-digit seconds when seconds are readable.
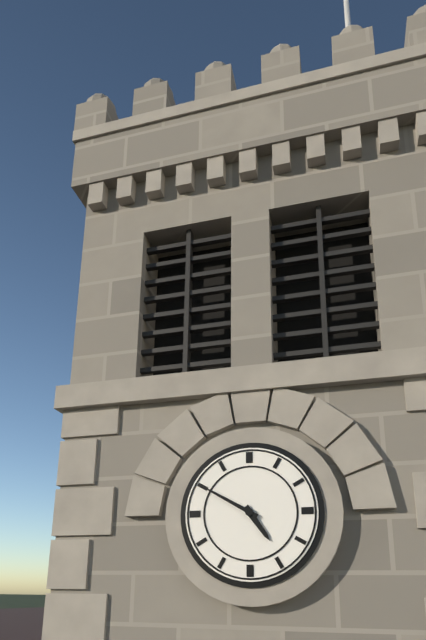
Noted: 4,50
